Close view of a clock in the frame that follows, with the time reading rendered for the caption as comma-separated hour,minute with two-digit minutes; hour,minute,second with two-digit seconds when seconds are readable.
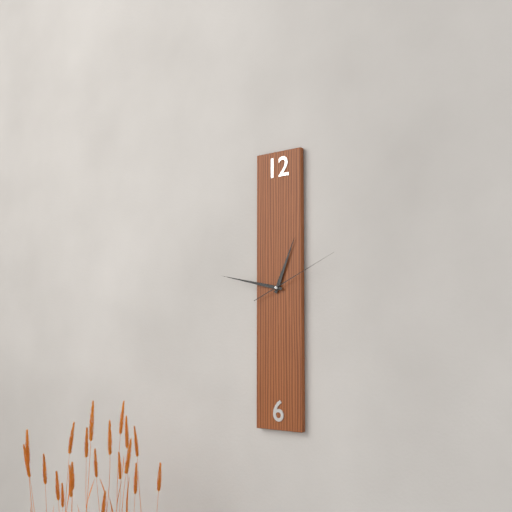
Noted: 12,47,11
